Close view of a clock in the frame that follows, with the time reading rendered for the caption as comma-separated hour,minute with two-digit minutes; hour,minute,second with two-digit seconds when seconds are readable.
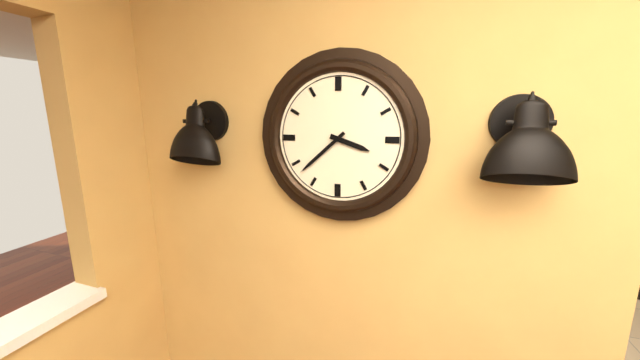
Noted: 3,38
